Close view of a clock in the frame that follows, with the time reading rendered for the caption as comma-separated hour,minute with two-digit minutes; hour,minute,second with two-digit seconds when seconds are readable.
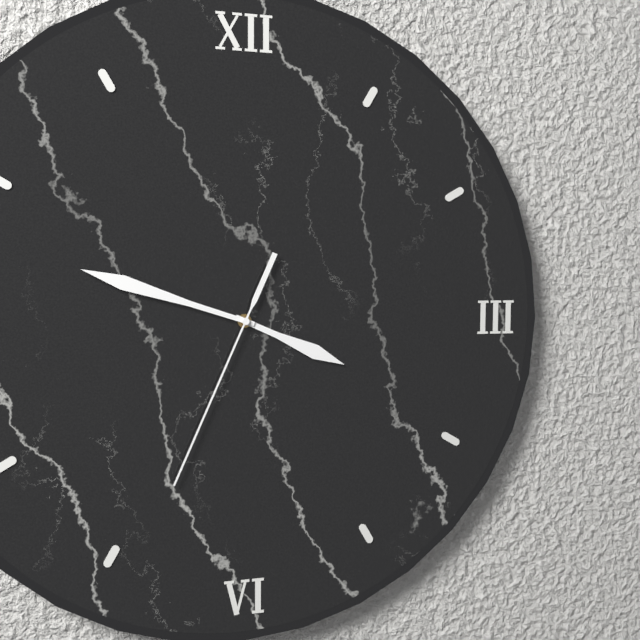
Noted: 3,48,34
